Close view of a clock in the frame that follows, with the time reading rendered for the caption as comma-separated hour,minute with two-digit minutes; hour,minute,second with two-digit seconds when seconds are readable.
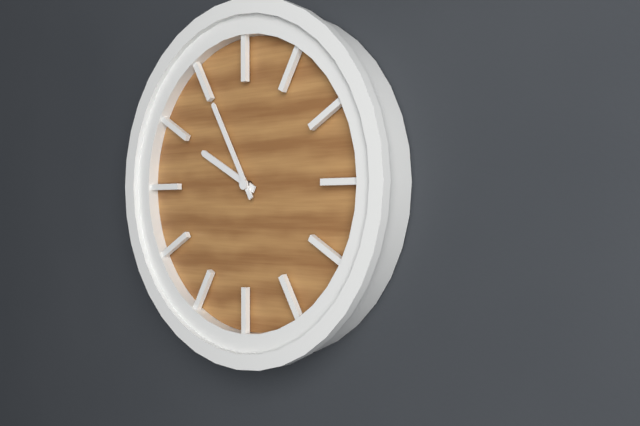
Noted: 9,55
